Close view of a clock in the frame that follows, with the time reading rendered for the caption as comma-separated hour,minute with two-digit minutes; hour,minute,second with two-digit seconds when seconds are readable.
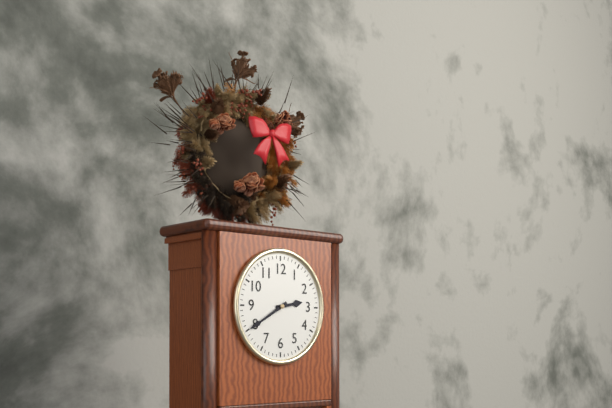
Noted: 2,40
